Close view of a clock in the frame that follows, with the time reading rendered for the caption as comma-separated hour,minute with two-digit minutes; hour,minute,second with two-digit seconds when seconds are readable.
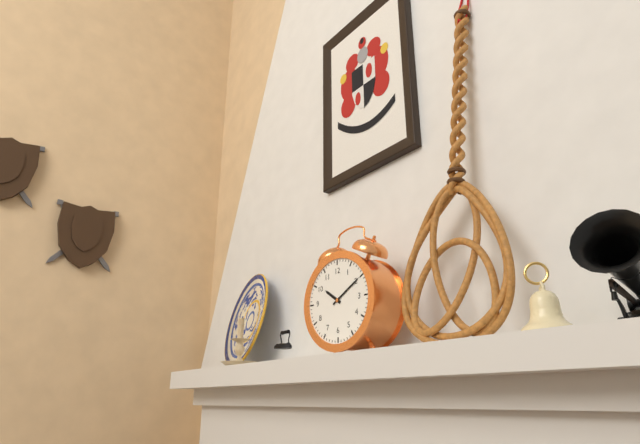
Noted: 10,10
